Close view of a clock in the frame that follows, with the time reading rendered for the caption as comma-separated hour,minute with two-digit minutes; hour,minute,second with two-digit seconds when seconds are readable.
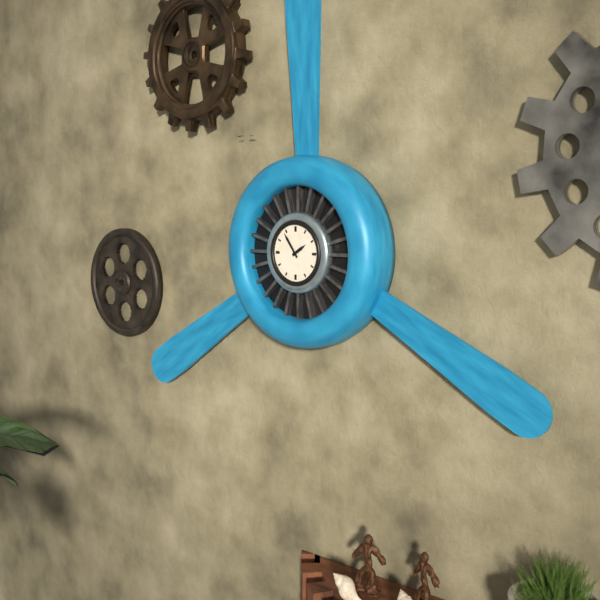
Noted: 1,54
